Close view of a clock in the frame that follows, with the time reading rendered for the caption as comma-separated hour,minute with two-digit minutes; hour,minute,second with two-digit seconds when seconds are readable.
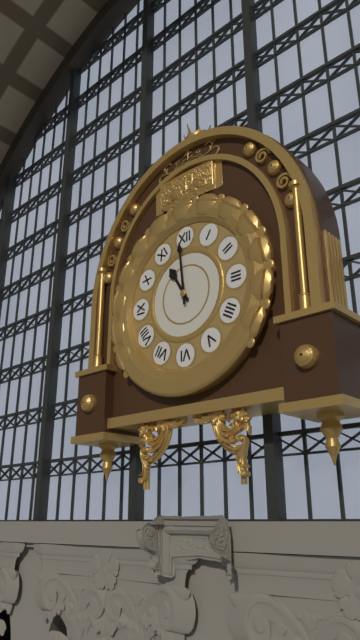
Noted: 10,59
